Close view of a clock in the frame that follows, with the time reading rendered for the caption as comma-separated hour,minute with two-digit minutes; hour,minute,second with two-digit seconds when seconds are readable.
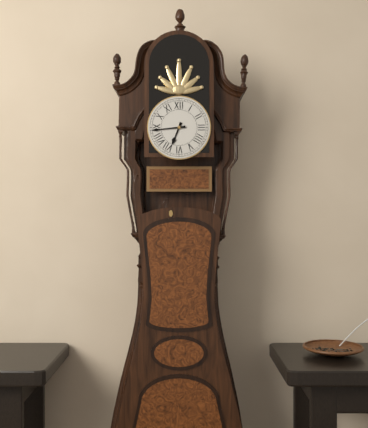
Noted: 6,44
